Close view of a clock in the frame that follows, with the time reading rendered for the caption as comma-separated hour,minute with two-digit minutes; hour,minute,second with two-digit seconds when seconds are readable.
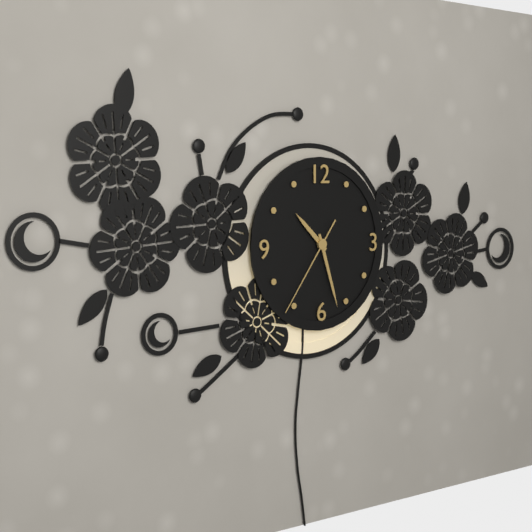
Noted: 10,27,36
